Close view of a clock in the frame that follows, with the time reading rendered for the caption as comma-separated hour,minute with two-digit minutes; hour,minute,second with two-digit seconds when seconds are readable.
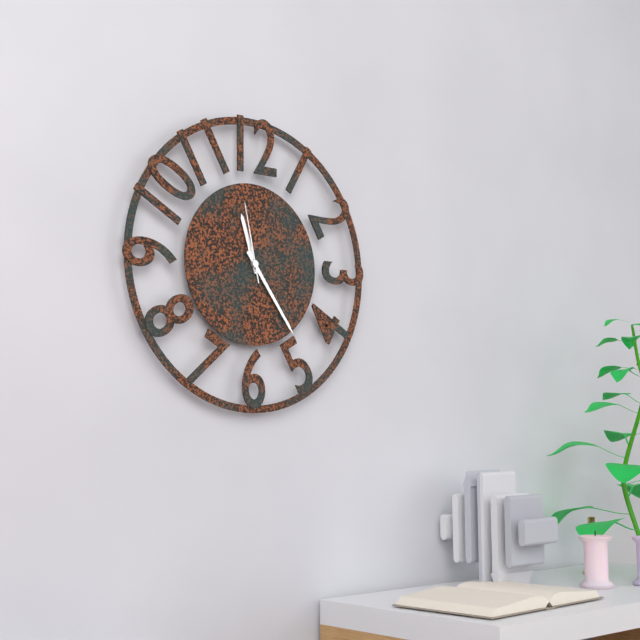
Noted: 11,24,58
